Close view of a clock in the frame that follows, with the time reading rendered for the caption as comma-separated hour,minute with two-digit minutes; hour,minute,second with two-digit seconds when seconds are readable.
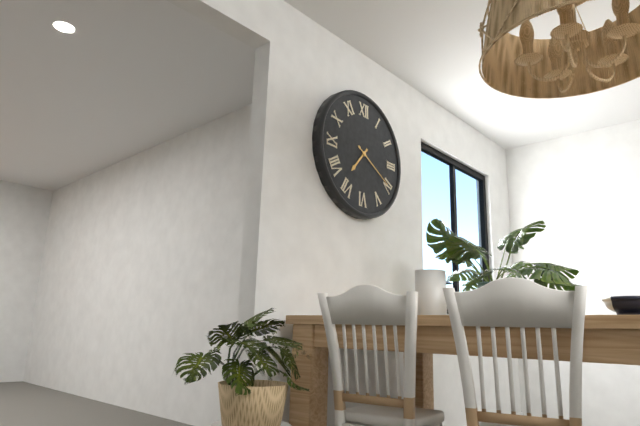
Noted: 7,20
